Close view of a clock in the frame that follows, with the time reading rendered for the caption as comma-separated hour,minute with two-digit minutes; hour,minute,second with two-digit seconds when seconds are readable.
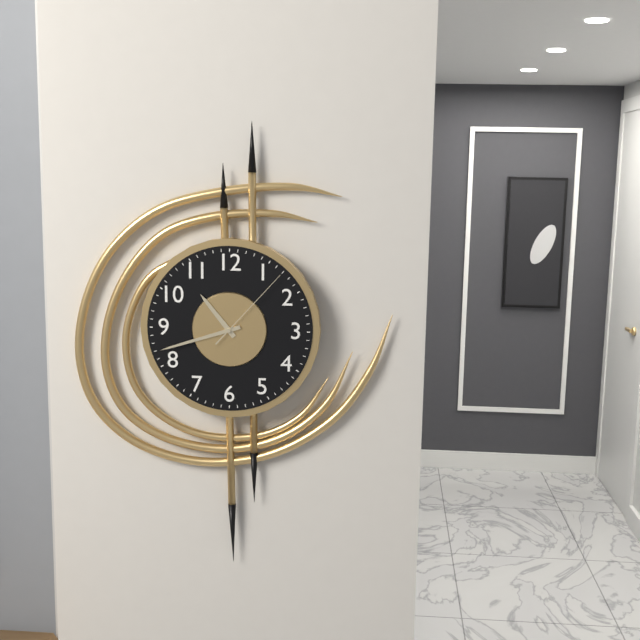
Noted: 10,42,07
